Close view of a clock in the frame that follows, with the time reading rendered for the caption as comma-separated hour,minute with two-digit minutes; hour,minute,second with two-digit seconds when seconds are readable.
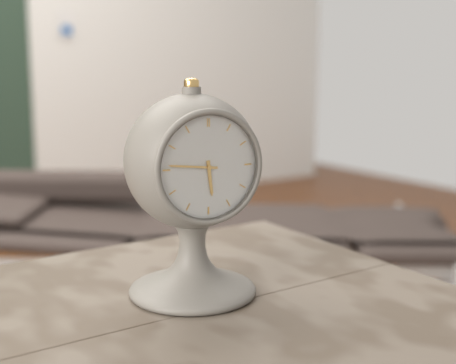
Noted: 5,46
